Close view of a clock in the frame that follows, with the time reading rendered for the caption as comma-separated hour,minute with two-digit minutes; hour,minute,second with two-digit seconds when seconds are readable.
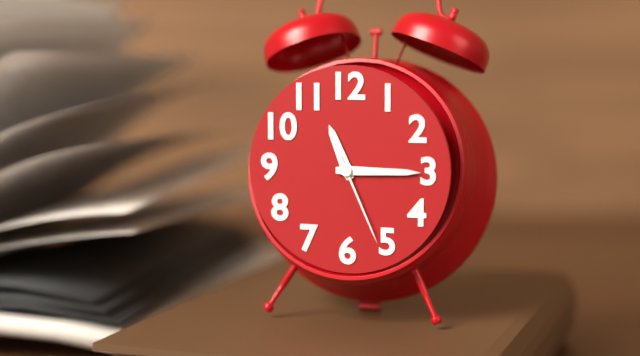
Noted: 11,15,26
